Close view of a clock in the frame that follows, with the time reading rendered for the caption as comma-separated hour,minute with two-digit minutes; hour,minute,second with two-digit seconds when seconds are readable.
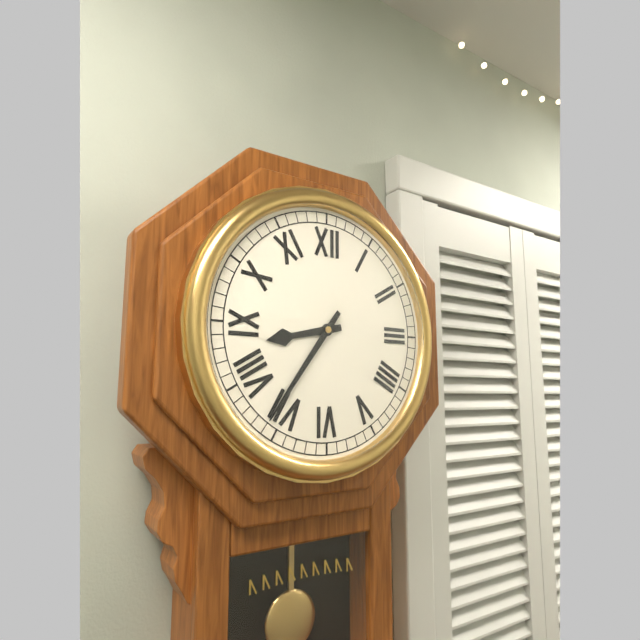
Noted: 8,36
